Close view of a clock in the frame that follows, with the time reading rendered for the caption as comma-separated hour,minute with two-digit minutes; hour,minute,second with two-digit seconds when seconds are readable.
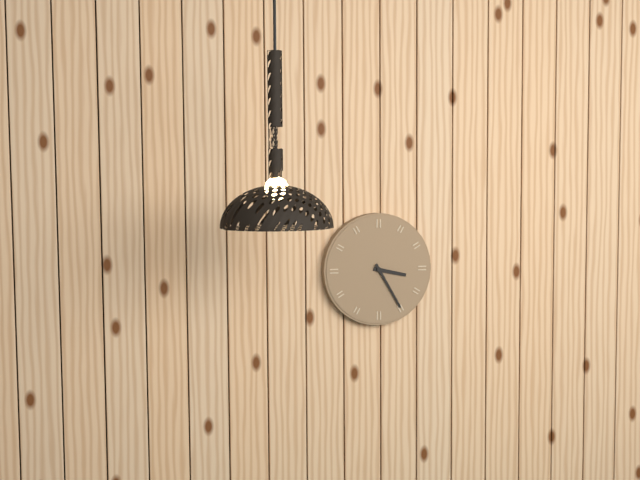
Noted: 3,25
